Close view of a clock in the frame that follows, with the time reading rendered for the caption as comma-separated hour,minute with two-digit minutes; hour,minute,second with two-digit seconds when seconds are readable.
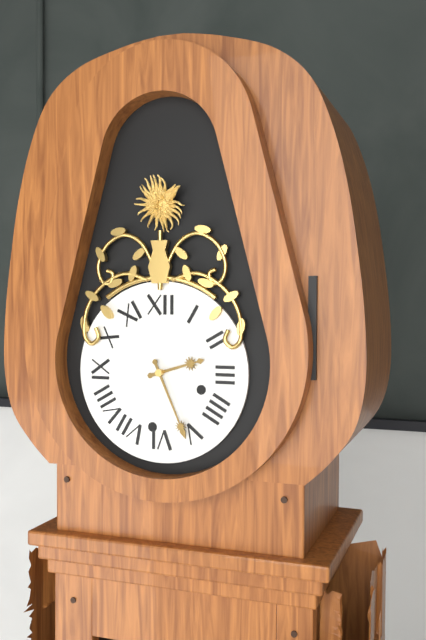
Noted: 2,26
